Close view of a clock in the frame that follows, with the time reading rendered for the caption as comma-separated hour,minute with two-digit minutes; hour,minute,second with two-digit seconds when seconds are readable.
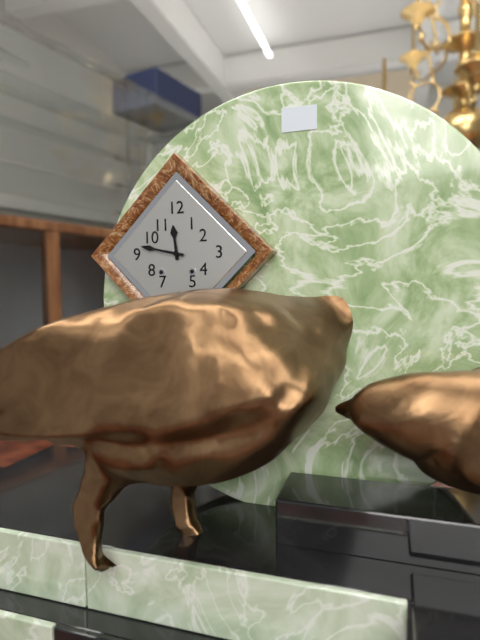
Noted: 11,47
